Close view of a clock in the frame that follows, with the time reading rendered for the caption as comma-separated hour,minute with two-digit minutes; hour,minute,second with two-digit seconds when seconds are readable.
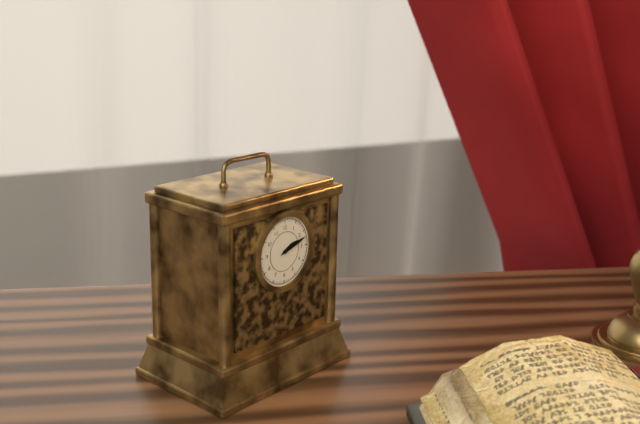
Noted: 2,12
